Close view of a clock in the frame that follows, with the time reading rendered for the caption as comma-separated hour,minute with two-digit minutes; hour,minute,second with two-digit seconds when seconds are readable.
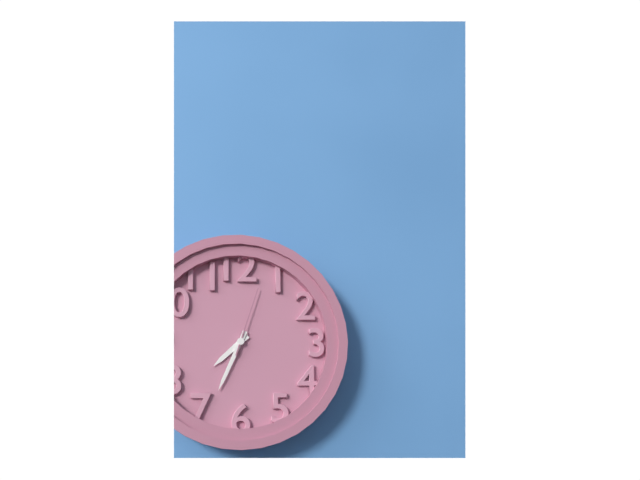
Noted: 7,34,03
